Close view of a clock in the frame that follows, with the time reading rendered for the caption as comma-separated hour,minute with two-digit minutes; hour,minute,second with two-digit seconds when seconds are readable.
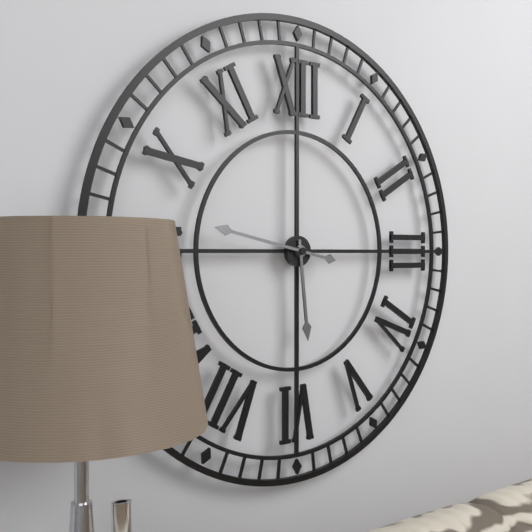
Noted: 5,47
